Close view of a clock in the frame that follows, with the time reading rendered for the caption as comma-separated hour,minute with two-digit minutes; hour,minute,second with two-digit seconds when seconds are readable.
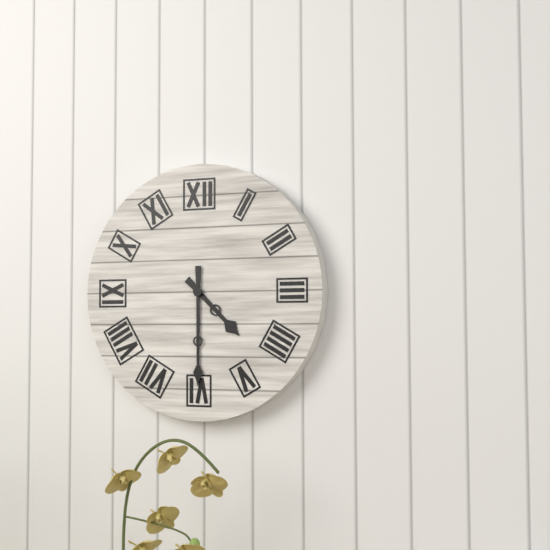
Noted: 4,30
